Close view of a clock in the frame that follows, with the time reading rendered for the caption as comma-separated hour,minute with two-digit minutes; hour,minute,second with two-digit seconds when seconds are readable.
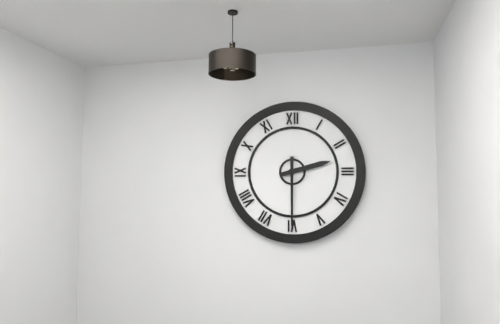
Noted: 2,30
